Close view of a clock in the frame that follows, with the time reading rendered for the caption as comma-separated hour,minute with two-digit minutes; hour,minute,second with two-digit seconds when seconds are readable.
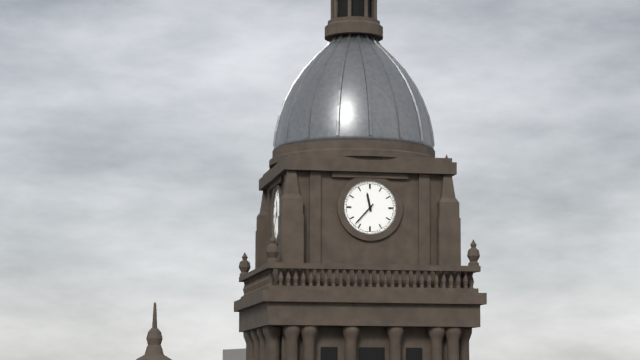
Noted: 11,37
